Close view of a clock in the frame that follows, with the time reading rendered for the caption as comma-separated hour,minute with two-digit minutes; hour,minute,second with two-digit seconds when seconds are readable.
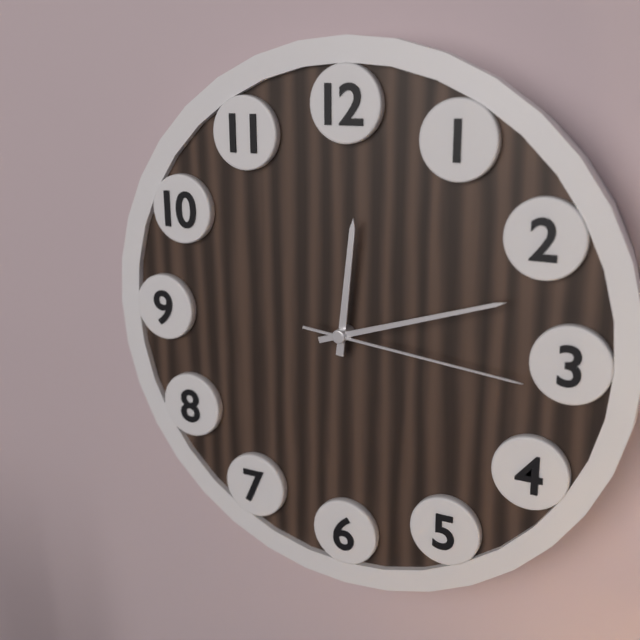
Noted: 12,12,16
